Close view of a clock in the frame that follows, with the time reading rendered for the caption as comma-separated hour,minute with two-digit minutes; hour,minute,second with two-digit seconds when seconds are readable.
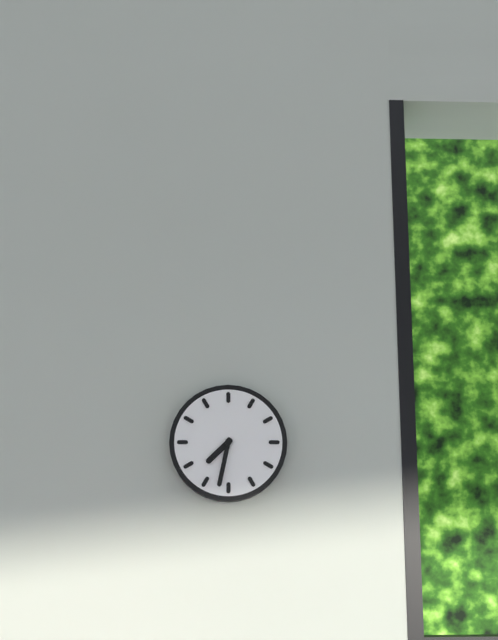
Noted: 7,32
